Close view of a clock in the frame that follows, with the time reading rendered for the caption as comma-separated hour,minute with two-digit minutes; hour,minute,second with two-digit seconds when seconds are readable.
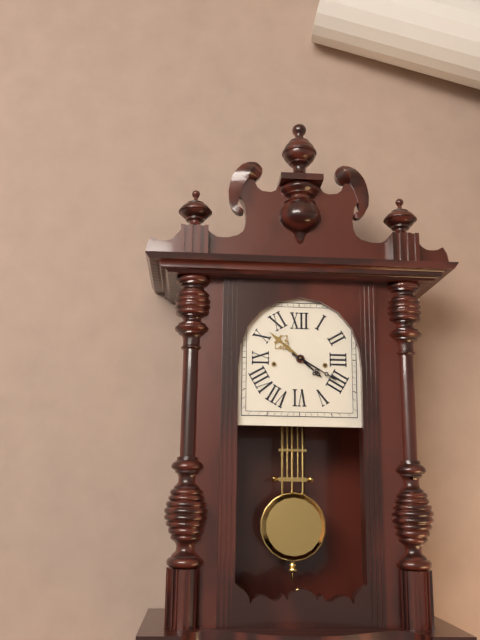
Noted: 4,20
